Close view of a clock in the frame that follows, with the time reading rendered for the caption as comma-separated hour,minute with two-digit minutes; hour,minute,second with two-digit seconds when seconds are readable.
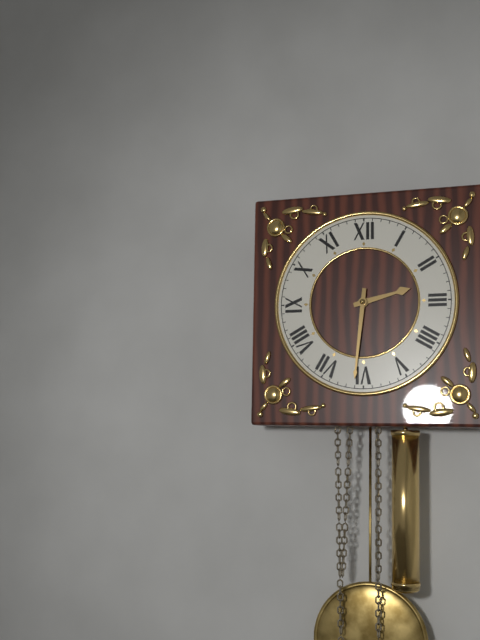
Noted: 2,31
